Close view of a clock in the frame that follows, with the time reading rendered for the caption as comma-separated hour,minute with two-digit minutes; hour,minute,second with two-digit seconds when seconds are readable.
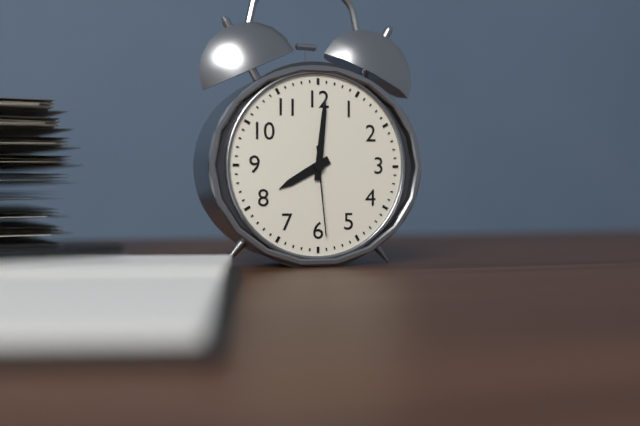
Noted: 8,01,29
